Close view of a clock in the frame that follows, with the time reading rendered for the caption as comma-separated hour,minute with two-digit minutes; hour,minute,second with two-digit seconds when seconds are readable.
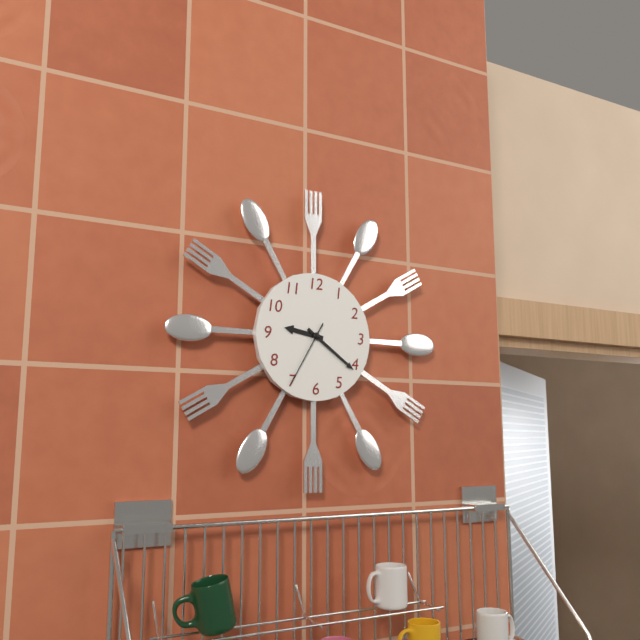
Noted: 9,21,35
